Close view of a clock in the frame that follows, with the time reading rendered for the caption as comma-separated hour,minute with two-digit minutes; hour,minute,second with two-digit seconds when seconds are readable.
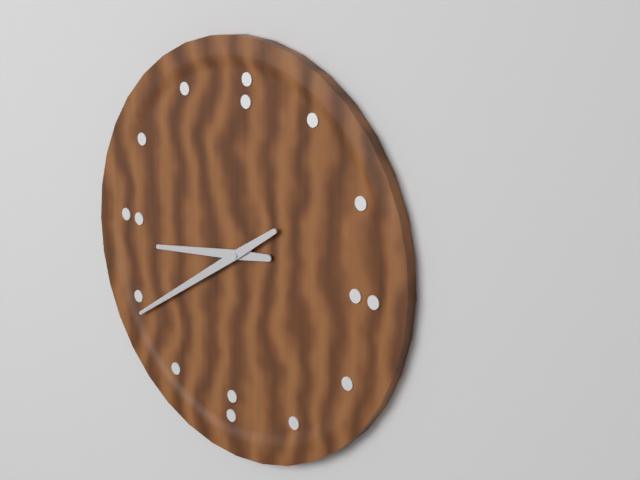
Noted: 8,39
